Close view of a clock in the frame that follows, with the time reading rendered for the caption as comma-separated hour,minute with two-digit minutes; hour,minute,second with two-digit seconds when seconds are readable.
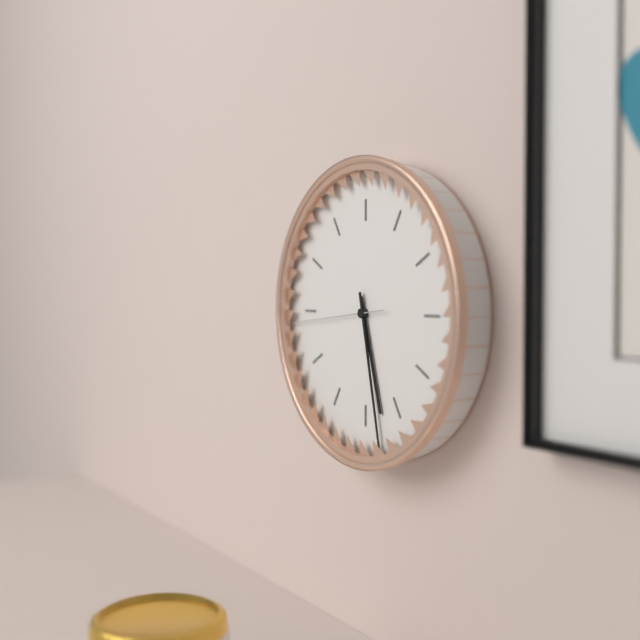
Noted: 5,28,44
